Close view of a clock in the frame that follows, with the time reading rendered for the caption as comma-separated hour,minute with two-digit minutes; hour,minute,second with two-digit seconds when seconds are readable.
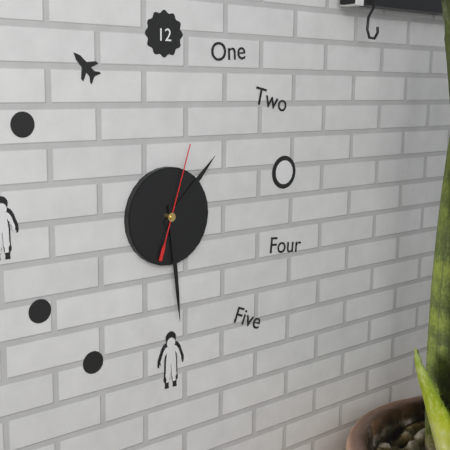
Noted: 1,29,03
